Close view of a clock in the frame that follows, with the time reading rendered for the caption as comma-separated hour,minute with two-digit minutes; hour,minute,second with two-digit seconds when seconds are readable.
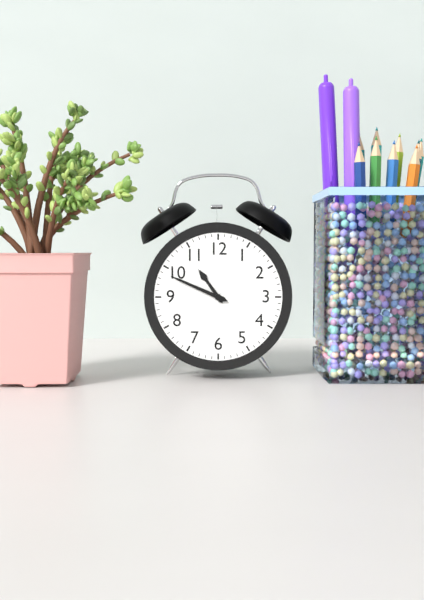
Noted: 10,49
